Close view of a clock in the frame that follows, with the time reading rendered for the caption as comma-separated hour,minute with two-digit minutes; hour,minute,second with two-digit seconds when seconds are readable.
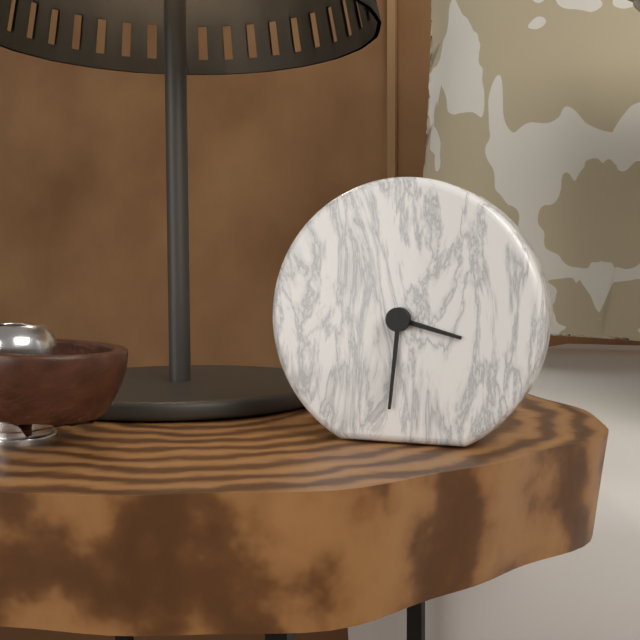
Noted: 3,31
